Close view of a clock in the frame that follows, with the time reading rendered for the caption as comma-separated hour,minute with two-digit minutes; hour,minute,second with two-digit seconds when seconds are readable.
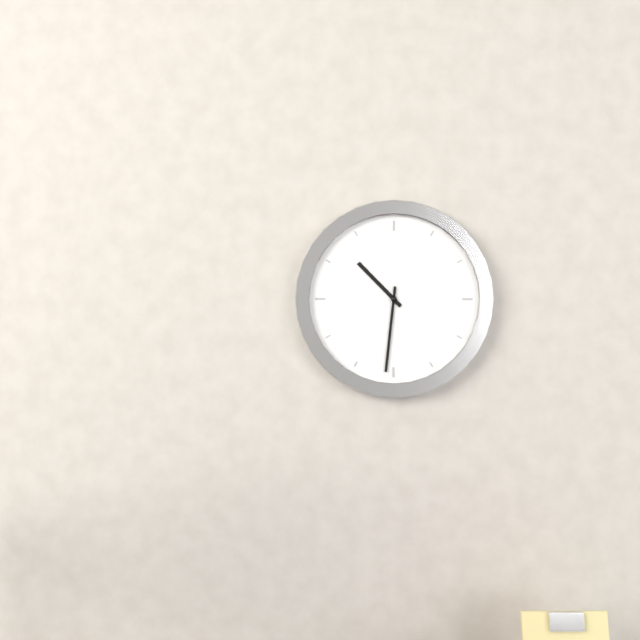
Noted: 10,31
